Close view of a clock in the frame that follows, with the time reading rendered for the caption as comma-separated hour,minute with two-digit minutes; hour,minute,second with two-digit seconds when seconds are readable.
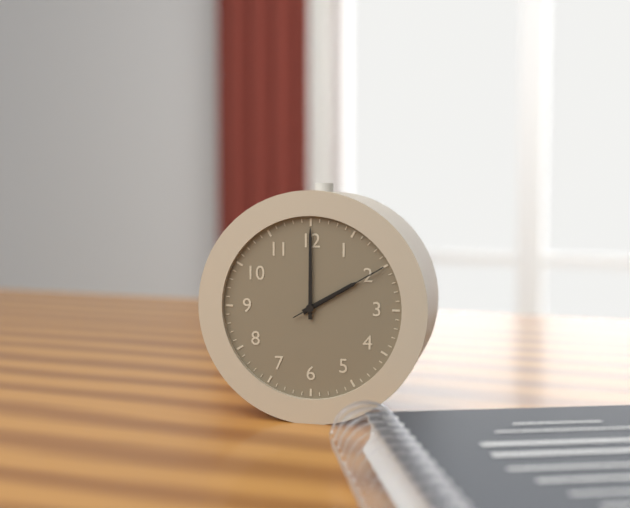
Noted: 2,00,10
